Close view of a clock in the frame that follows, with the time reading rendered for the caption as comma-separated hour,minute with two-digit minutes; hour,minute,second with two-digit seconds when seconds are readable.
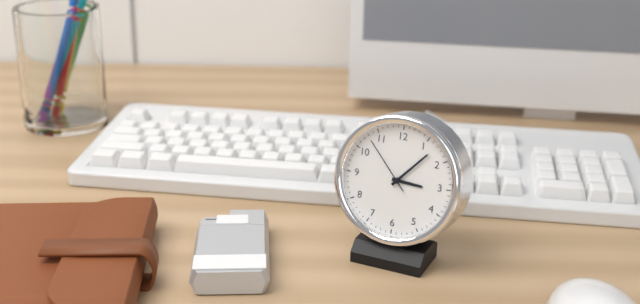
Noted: 3,07,53
